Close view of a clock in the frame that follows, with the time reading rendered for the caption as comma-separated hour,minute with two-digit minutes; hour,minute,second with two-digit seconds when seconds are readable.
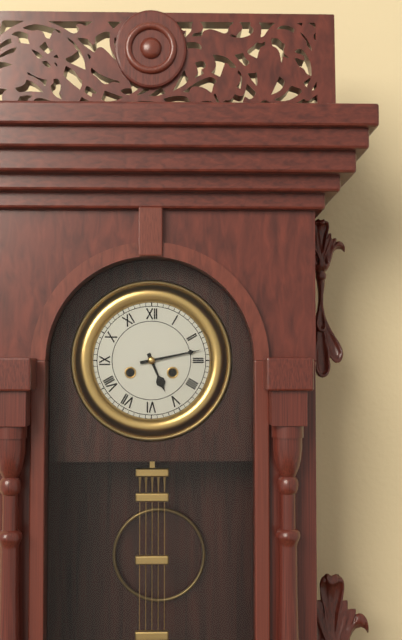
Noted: 5,13
